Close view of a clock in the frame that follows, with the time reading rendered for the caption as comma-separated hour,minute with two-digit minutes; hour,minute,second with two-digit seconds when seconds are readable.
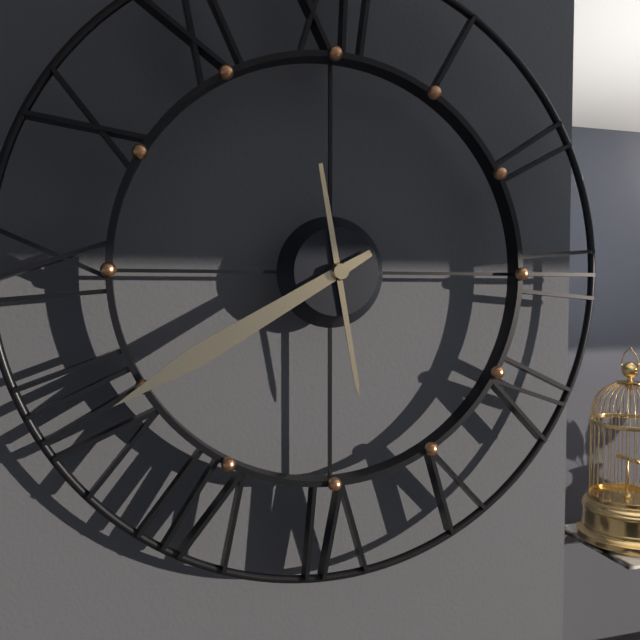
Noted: 5,40
